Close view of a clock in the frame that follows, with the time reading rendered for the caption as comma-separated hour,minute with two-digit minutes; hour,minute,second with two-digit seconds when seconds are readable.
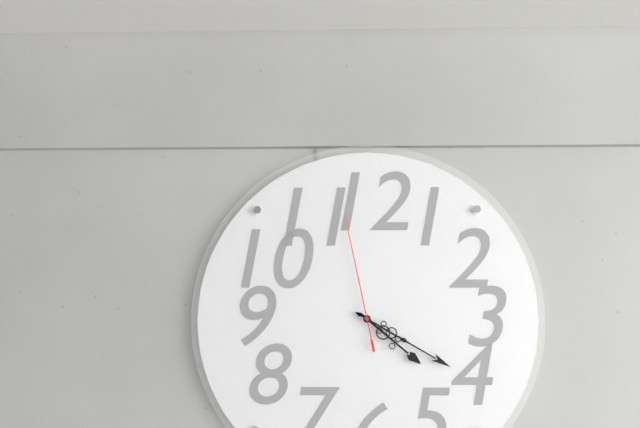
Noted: 4,20,58
